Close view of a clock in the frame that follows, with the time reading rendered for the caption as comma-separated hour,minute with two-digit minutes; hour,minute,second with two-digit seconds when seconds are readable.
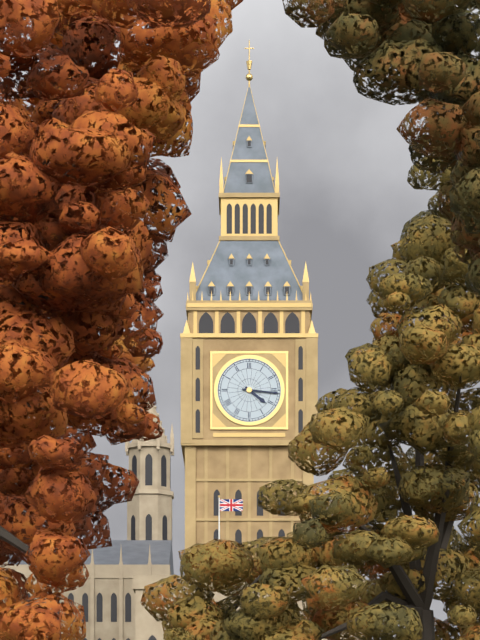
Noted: 4,16
